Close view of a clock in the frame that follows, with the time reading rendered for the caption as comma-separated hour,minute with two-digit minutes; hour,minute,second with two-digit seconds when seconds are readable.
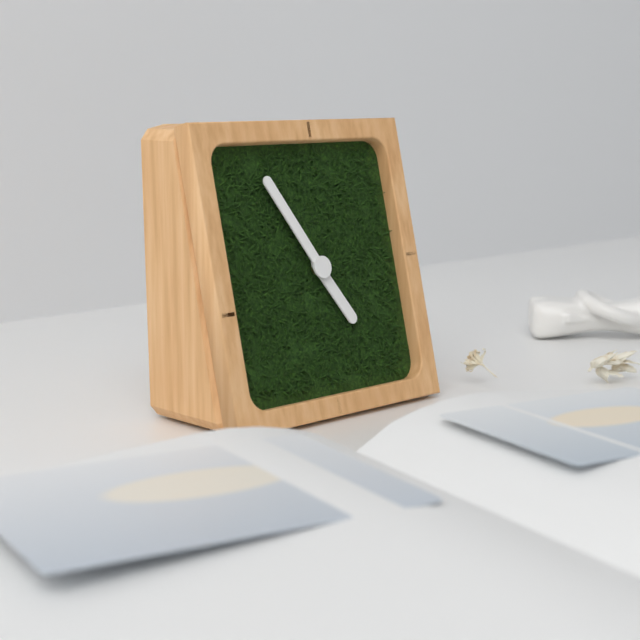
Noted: 4,55
